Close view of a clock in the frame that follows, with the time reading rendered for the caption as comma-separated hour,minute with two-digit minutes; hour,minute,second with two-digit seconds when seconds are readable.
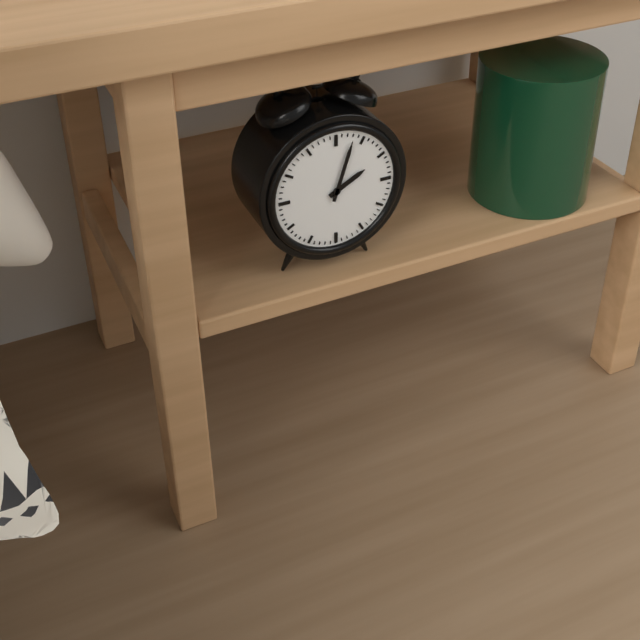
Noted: 2,03
